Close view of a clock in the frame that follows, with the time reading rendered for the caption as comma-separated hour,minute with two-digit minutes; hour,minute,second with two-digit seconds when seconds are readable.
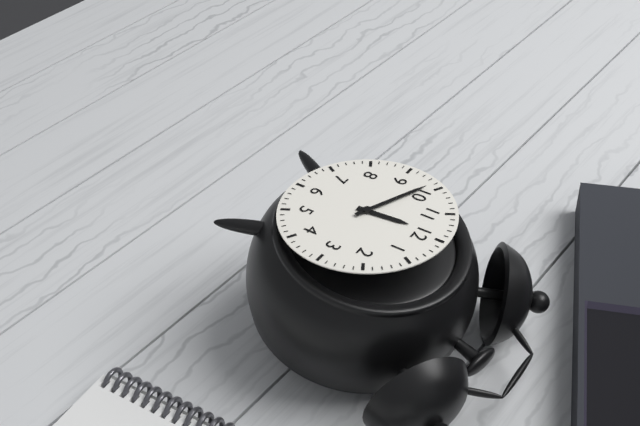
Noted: 11,49
